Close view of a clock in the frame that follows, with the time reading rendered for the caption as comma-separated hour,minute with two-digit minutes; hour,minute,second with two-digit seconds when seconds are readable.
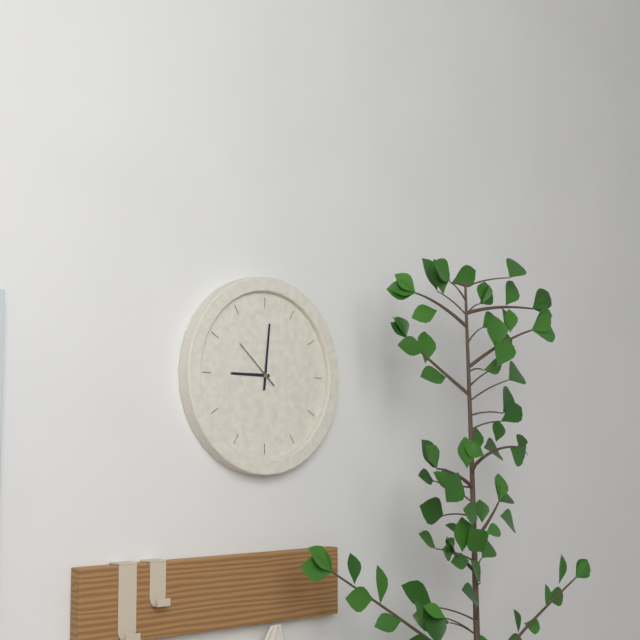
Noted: 9,01,52
